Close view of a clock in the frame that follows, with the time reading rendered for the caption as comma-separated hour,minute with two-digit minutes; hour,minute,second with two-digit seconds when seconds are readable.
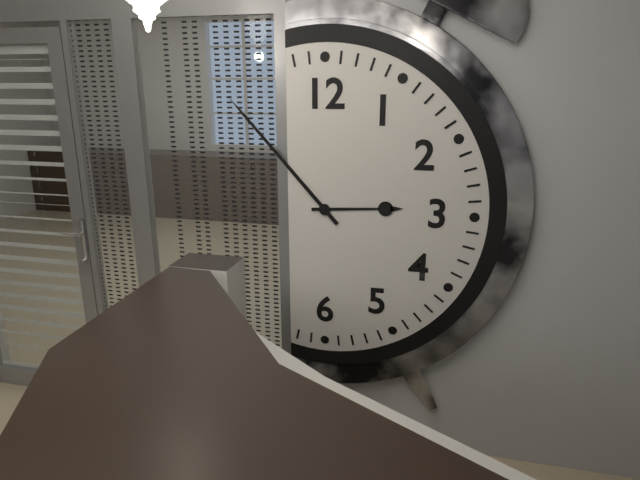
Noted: 2,53
